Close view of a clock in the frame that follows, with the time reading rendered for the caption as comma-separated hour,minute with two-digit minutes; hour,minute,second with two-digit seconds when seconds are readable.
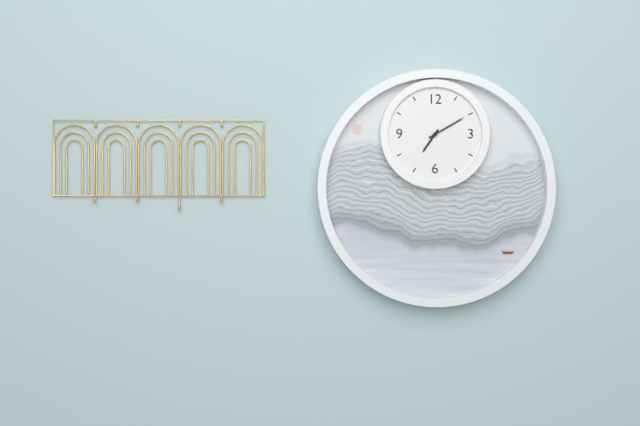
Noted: 7,10
